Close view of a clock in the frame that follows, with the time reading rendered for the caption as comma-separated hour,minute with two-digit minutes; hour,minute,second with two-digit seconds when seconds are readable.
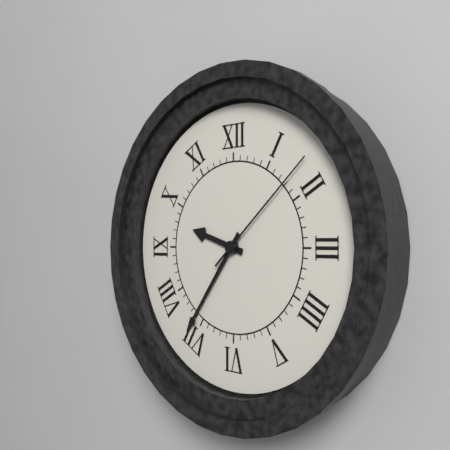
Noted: 9,36,08
